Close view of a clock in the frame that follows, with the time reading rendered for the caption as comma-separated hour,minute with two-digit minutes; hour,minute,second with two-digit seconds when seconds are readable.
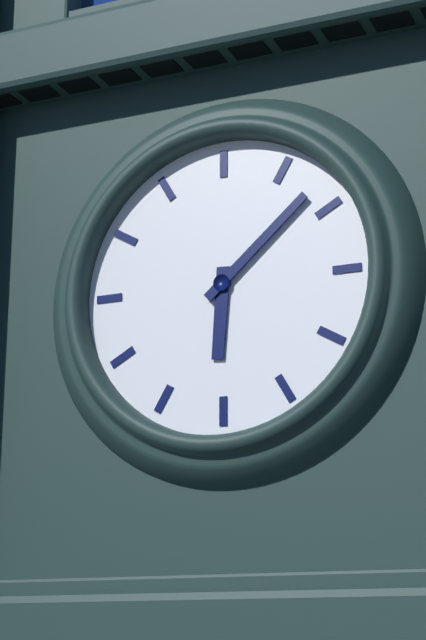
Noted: 6,08
